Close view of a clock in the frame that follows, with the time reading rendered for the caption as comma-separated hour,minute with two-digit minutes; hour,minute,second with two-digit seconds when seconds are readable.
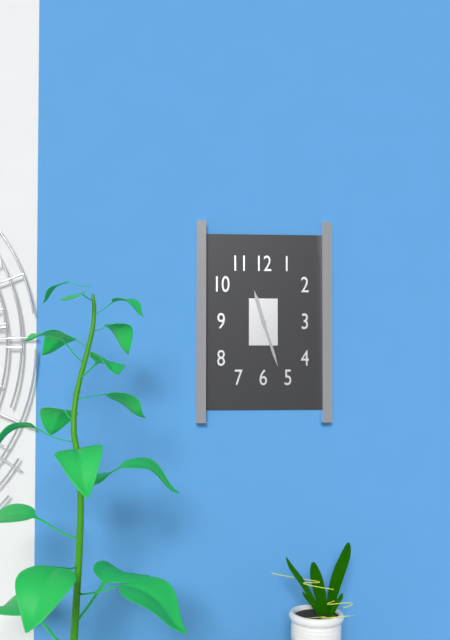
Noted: 11,27
